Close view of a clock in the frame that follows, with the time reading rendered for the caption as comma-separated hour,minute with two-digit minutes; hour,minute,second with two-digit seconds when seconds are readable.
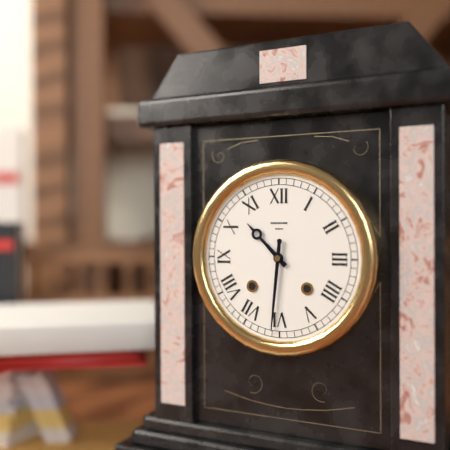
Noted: 10,31
